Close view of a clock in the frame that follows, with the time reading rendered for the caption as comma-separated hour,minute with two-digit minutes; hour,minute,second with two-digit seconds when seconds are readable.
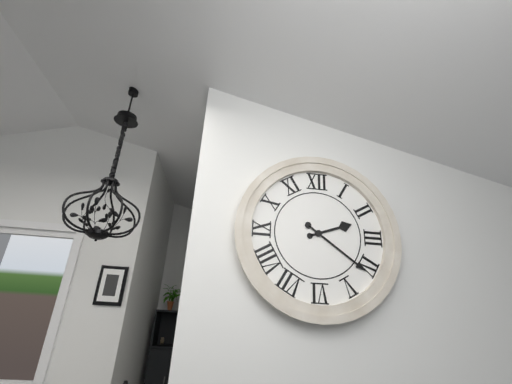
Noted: 2,21
